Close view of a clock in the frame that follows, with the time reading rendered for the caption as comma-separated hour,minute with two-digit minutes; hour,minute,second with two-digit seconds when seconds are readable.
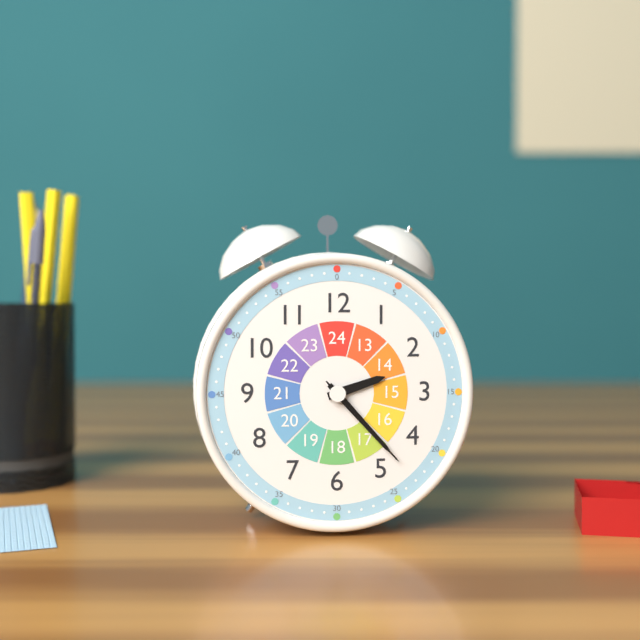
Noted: 2,23,23
